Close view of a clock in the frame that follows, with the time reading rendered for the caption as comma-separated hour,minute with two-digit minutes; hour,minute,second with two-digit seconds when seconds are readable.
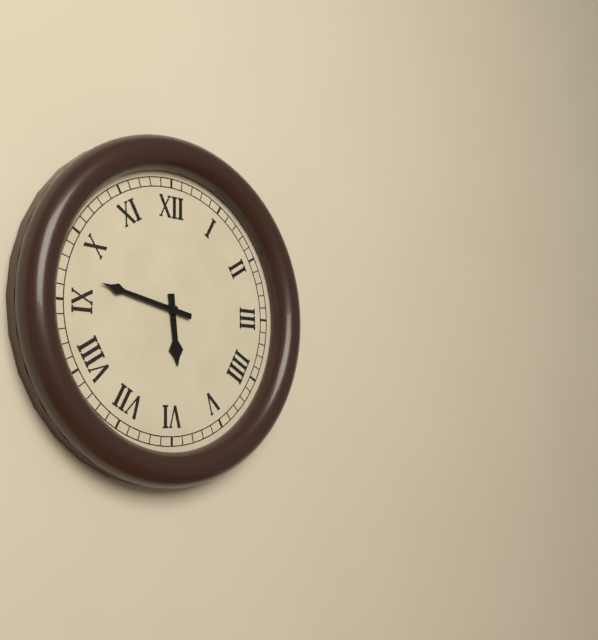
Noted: 5,47
